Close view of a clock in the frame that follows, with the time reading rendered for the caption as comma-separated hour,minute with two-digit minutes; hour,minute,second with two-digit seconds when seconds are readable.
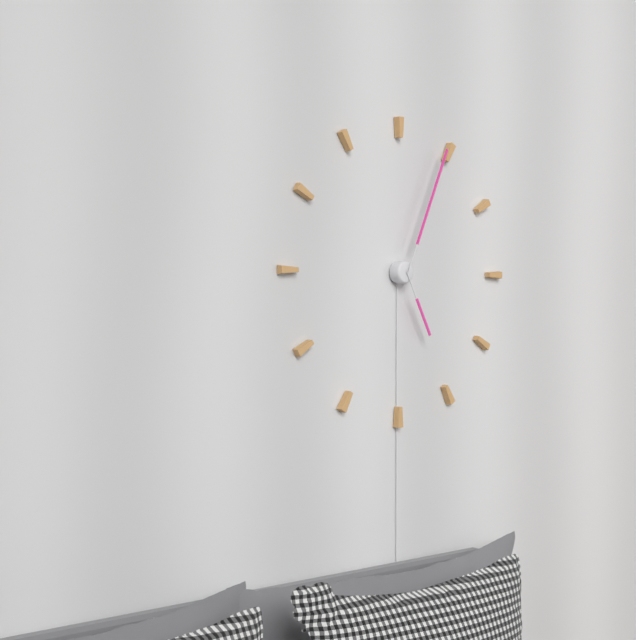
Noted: 5,04
